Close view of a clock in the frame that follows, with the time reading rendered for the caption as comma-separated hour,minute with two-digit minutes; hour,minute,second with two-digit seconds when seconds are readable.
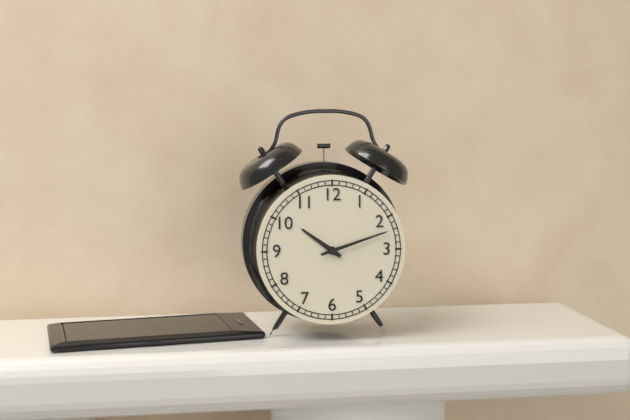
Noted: 10,12
